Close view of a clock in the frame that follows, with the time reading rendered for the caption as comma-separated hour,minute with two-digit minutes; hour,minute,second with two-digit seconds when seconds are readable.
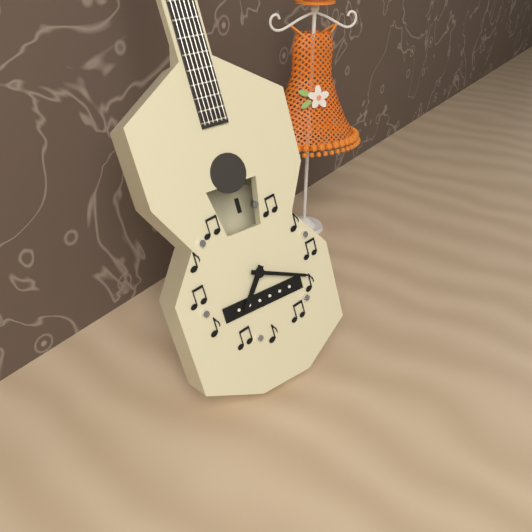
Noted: 7,19
